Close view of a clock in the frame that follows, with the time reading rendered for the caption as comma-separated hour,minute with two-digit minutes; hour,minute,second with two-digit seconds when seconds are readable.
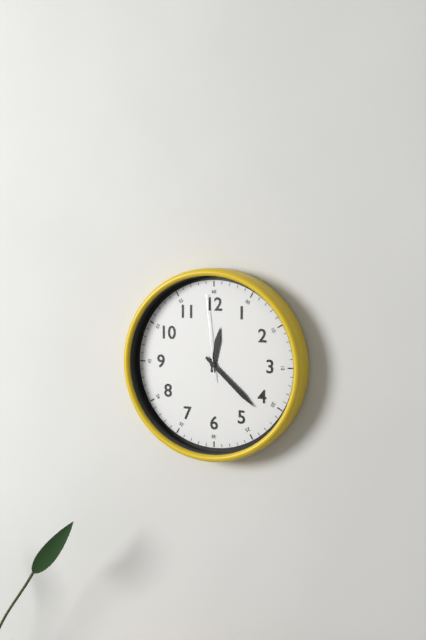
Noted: 12,22,59
